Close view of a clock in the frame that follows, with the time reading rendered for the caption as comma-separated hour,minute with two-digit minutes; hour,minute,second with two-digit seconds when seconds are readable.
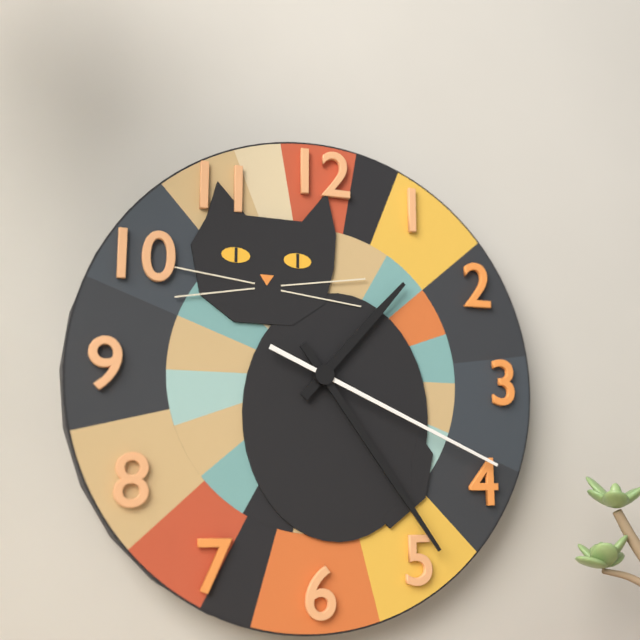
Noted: 1,24,19
